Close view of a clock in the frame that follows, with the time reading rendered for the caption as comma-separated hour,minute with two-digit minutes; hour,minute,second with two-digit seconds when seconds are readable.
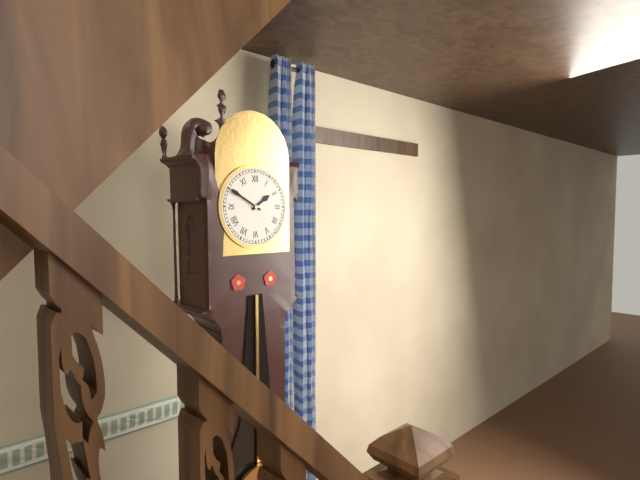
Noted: 1,50
